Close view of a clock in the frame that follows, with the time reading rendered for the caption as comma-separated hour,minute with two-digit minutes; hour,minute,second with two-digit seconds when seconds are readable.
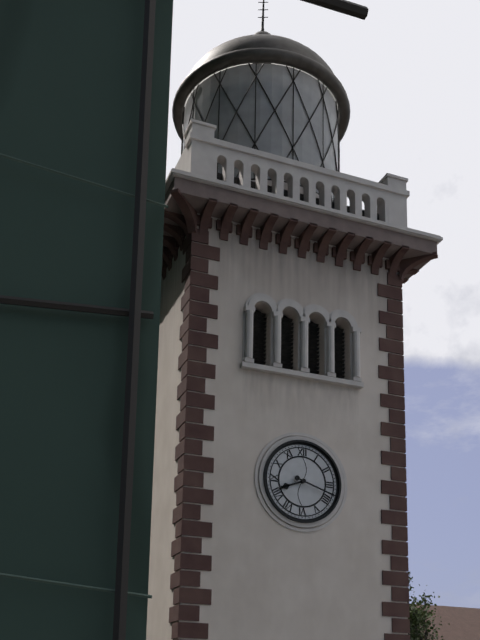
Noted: 8,18
